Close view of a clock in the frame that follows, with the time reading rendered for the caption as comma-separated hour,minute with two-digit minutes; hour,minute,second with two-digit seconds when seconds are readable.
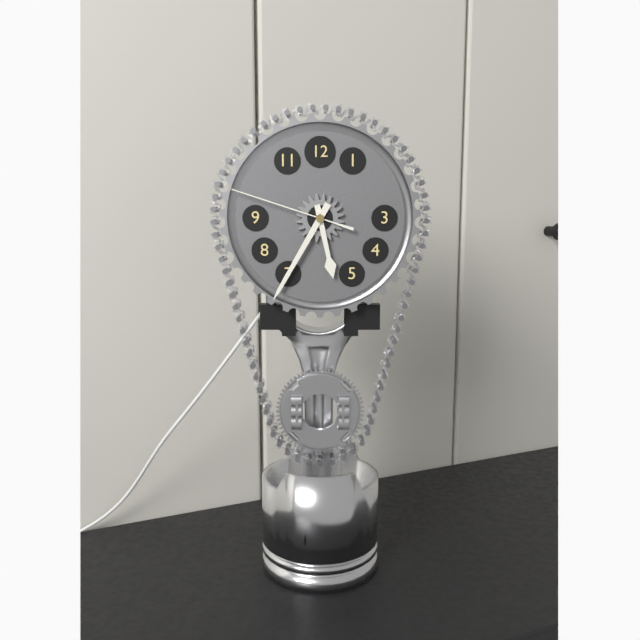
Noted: 5,35,48
